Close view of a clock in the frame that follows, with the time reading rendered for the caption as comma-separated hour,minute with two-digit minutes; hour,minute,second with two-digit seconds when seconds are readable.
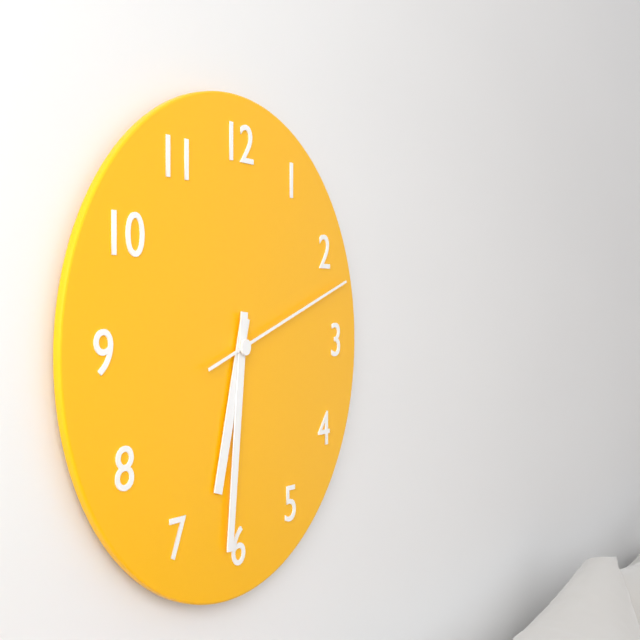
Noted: 6,31,12
